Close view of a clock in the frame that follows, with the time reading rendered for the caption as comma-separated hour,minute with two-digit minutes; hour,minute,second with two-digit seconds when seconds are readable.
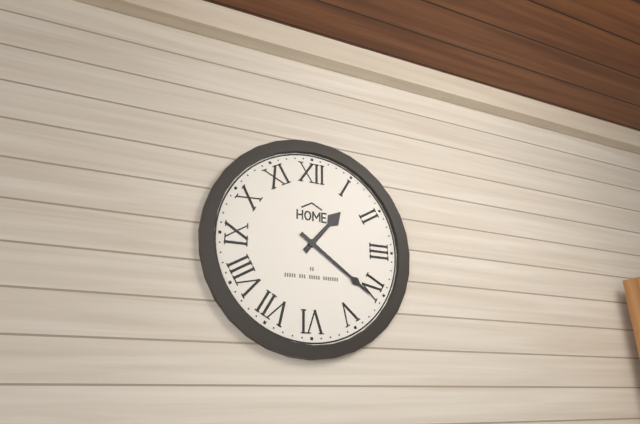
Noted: 1,21
